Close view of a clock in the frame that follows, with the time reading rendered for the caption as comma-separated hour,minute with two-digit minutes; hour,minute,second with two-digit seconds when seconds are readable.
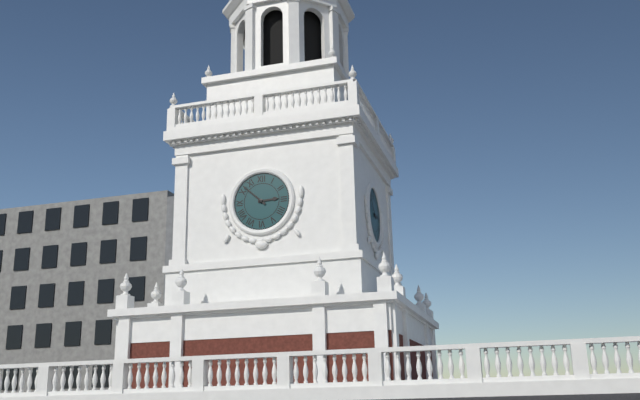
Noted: 2,52
